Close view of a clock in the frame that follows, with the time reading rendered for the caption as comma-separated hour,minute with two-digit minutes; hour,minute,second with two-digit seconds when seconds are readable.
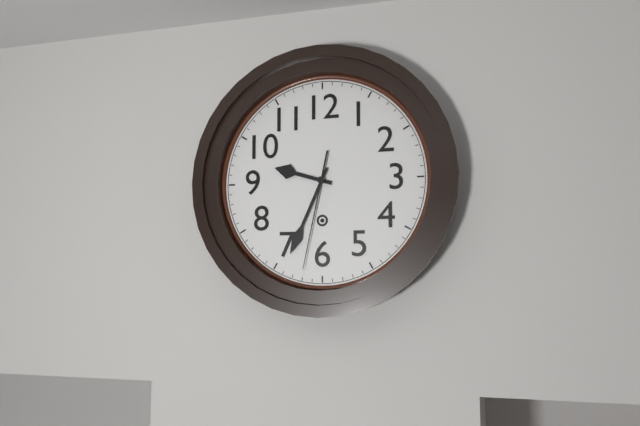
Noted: 9,34,32
